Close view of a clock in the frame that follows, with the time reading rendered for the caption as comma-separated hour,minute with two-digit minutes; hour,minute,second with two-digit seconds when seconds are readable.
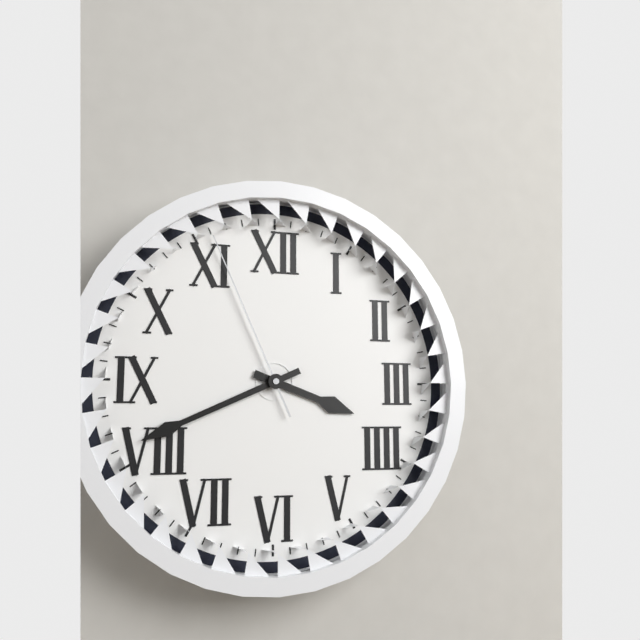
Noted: 3,41,56
